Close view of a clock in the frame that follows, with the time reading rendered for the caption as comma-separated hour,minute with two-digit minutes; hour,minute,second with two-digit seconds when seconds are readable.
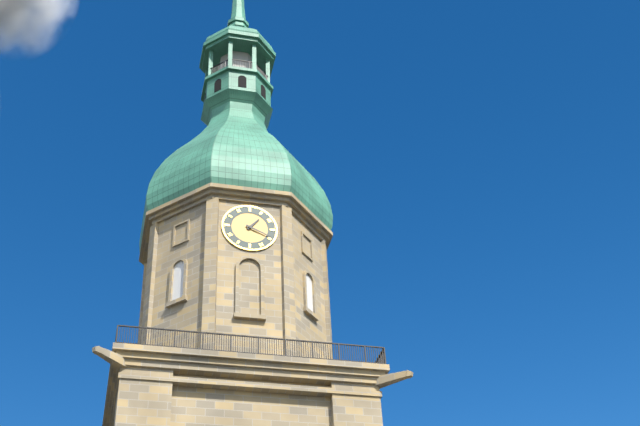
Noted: 1,19
